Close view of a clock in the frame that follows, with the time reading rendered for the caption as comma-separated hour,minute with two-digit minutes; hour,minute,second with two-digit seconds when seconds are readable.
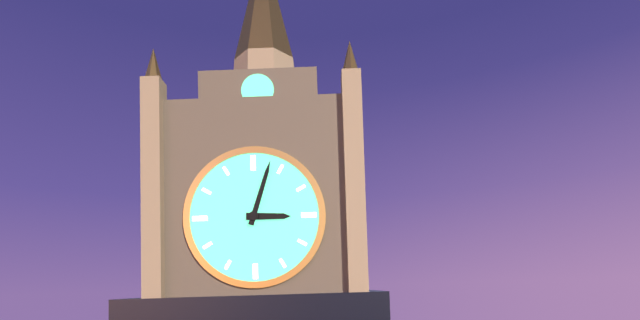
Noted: 3,03
